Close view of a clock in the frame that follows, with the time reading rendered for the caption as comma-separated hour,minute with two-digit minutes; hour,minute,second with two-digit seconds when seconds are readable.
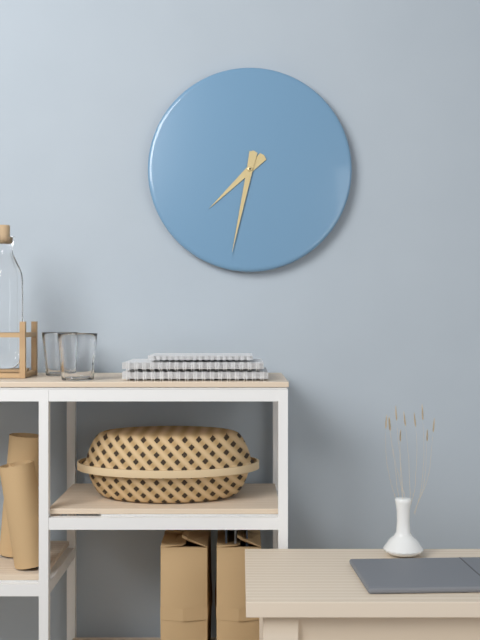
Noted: 7,32
